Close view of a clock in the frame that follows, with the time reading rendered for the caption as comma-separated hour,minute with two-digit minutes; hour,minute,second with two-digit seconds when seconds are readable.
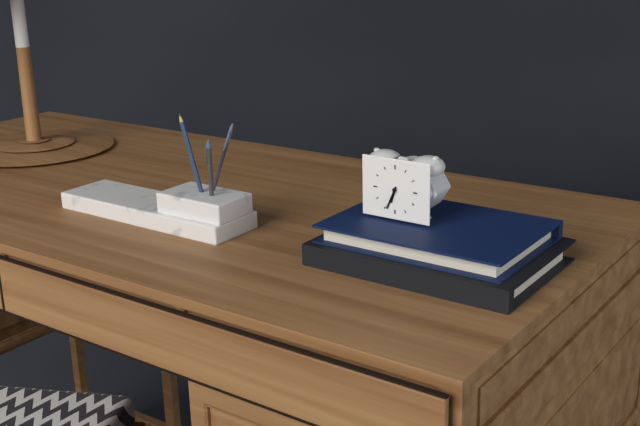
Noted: 6,34
